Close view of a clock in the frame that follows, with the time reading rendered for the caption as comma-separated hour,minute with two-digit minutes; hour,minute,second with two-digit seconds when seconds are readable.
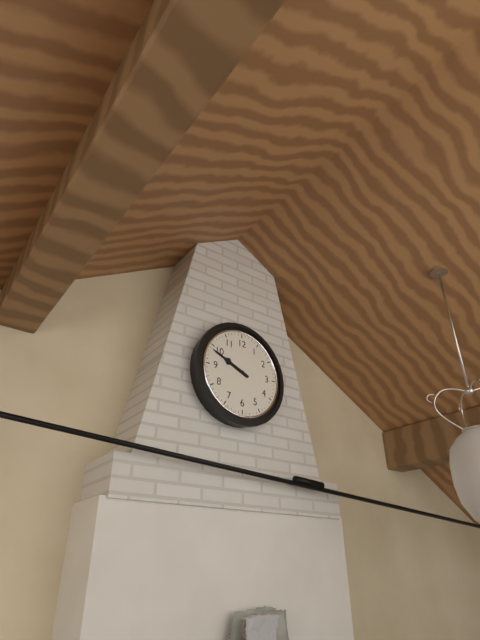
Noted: 9,49
